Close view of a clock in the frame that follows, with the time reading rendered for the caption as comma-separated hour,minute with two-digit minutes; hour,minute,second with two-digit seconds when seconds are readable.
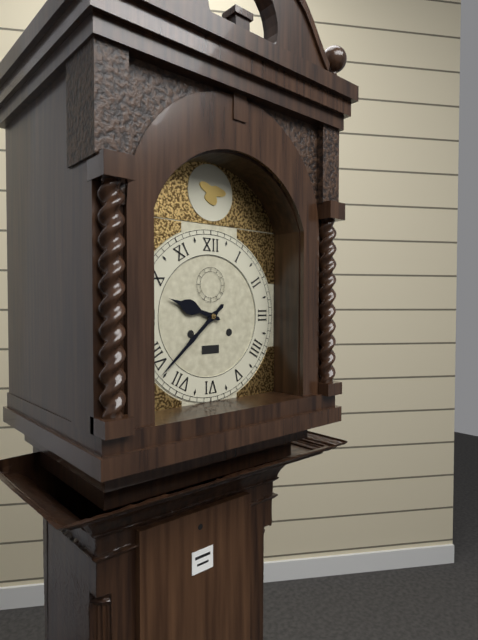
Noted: 9,38
